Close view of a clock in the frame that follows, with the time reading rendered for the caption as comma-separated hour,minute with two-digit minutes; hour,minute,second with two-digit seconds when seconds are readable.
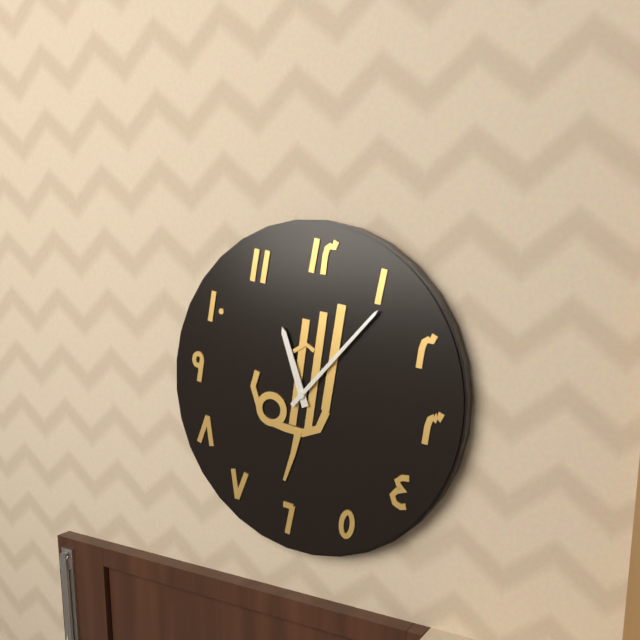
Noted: 11,06
